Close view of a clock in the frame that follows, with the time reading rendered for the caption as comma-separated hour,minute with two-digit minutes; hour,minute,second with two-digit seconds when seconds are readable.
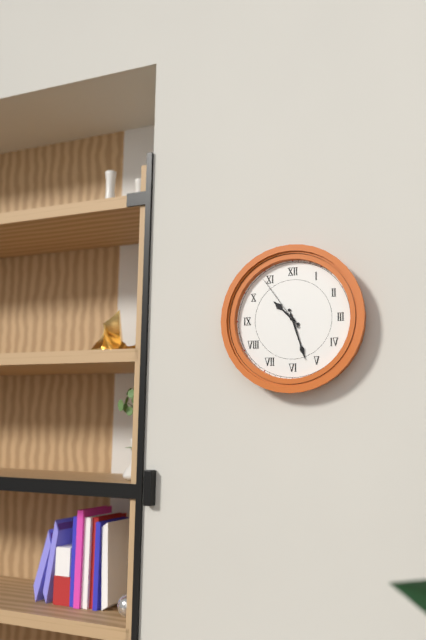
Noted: 10,27,54
